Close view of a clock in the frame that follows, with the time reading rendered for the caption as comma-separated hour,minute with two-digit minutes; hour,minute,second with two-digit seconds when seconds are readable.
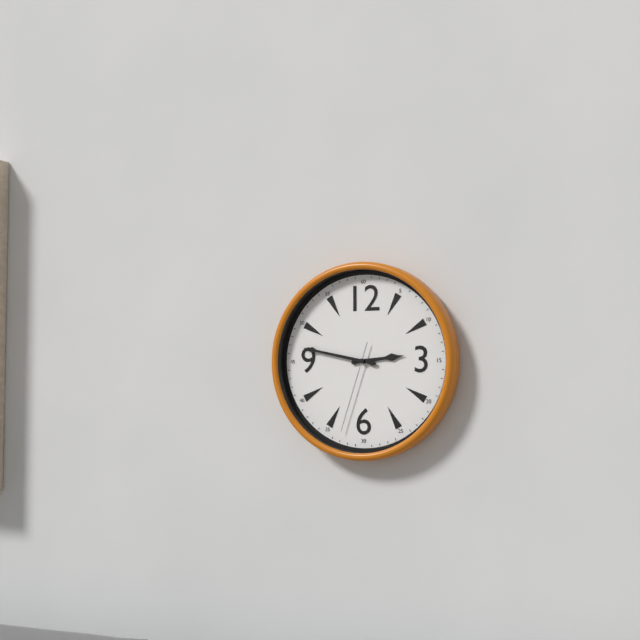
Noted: 2,47,33
